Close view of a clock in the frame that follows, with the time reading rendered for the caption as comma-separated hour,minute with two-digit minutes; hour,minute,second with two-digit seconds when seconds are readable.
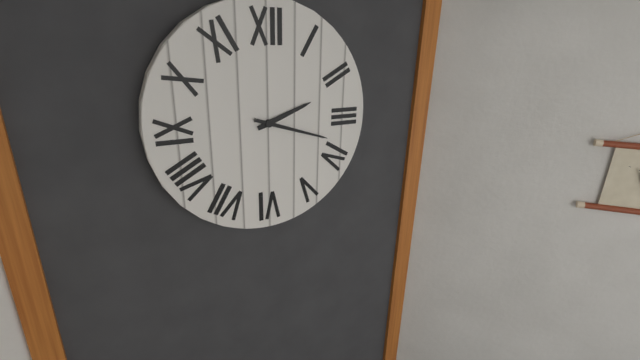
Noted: 2,18
